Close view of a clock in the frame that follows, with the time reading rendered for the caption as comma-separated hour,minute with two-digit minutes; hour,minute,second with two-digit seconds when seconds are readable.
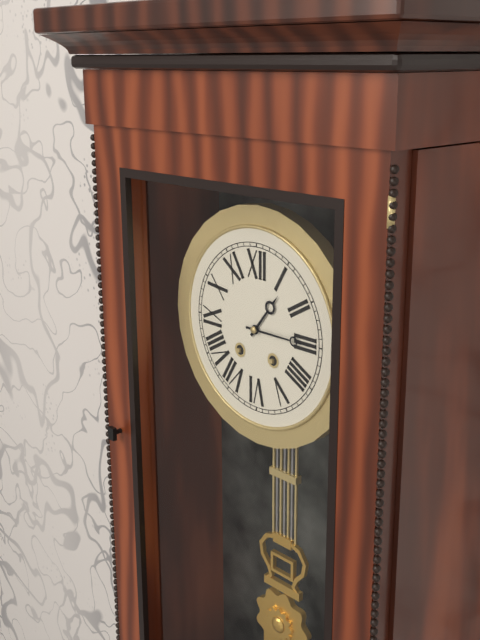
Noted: 1,15
